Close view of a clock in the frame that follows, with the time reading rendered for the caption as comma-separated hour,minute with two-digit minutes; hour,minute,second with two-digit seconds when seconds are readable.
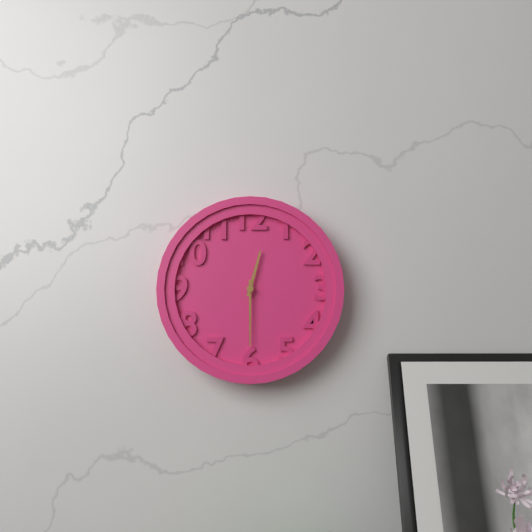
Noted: 12,30
